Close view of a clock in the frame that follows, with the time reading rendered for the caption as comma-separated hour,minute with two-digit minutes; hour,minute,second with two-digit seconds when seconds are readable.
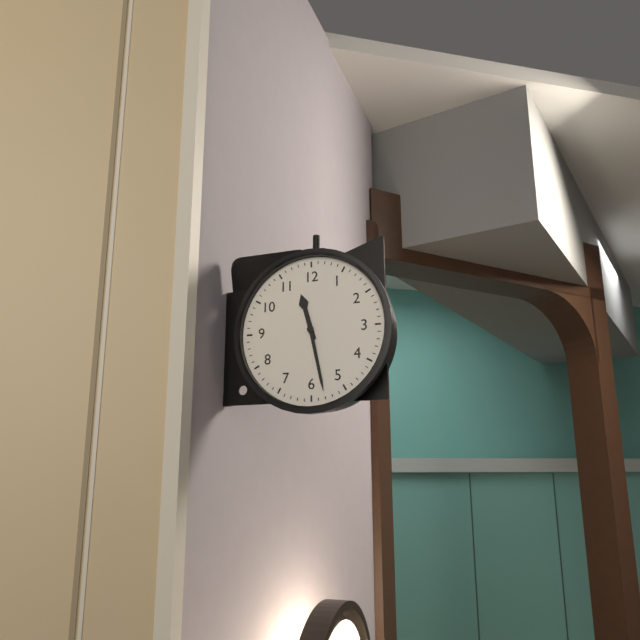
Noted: 11,28
